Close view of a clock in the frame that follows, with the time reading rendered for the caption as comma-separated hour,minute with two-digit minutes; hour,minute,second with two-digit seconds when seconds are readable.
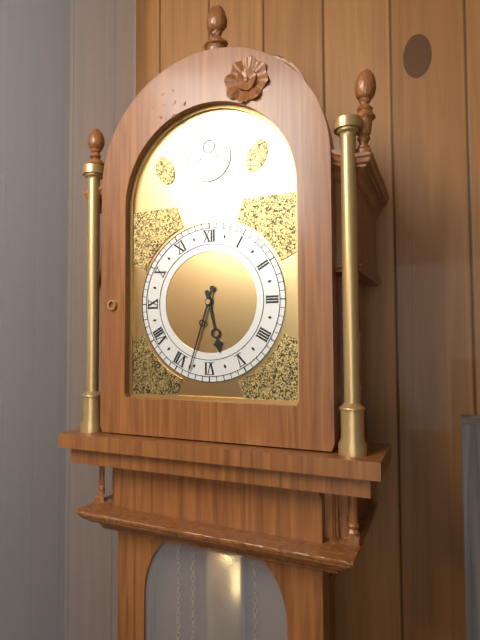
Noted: 5,33
